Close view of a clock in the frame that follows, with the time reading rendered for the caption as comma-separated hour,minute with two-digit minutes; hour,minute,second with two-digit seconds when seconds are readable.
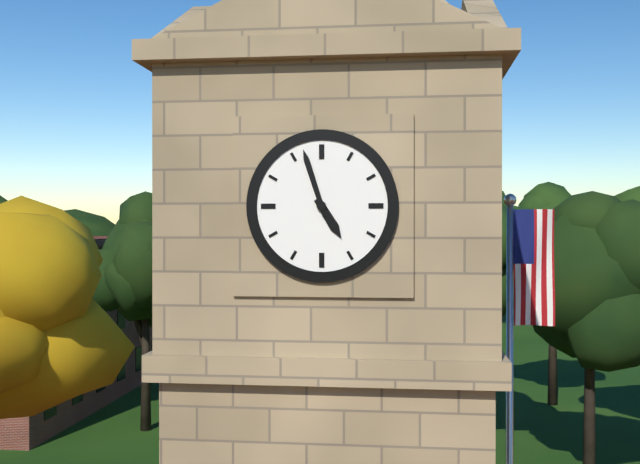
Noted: 4,57
